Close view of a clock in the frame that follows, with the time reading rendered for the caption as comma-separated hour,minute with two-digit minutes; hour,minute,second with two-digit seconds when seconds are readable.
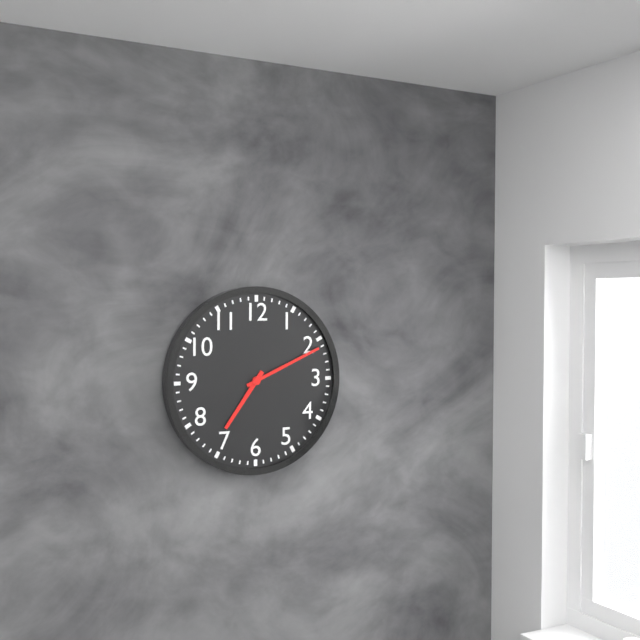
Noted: 7,11
